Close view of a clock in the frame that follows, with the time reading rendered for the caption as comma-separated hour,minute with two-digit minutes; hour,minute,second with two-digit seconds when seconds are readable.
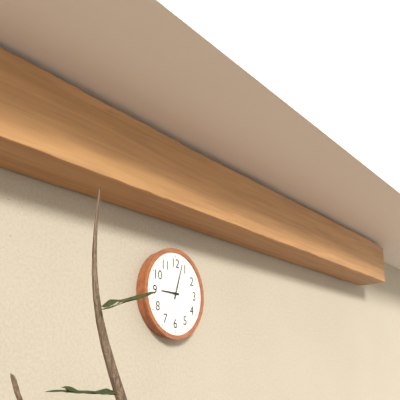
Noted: 9,03
